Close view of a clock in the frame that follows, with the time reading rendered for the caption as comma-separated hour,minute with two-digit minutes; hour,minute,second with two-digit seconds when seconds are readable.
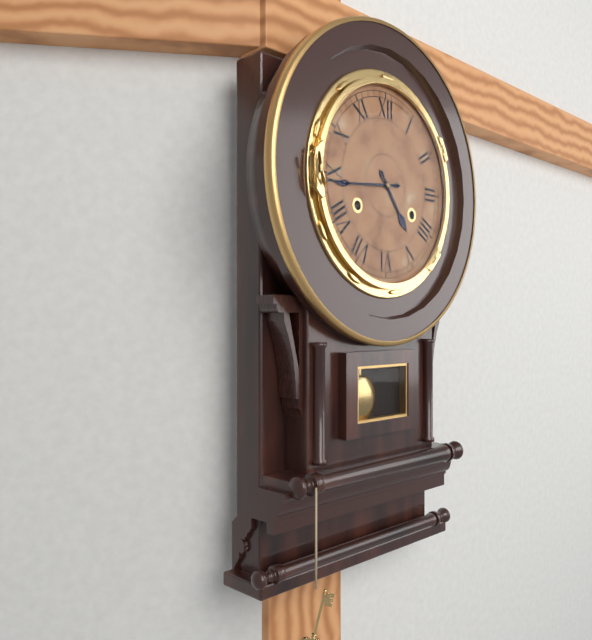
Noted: 4,44
